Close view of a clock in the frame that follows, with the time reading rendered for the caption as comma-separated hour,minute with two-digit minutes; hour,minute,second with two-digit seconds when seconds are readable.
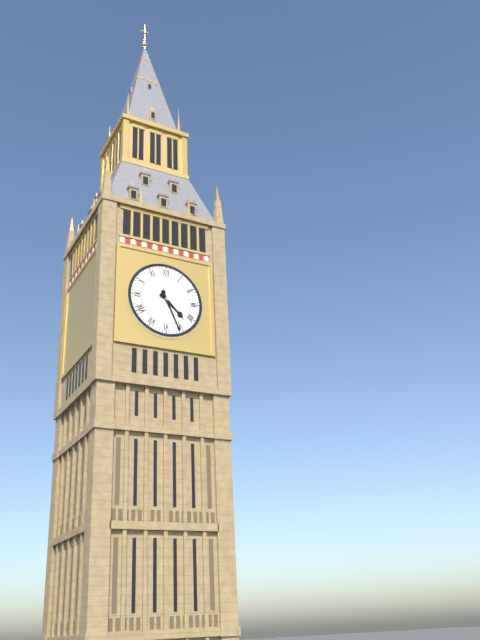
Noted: 4,26
